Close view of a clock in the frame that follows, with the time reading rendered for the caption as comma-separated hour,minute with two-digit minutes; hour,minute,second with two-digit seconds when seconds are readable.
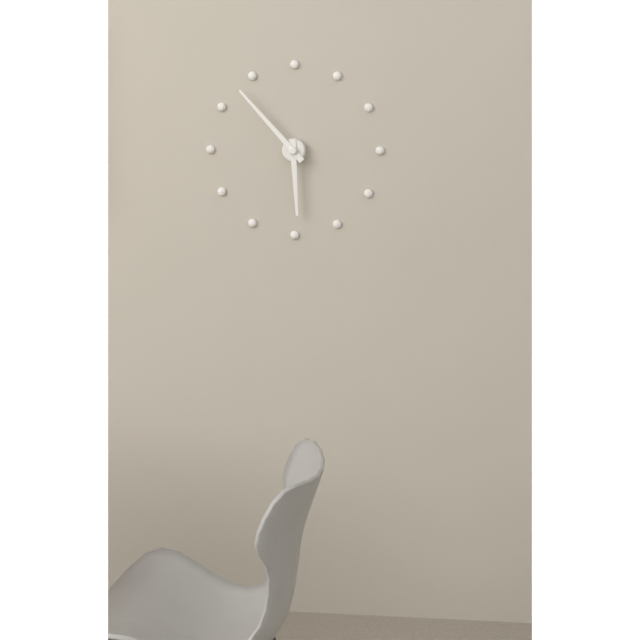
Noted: 5,53
